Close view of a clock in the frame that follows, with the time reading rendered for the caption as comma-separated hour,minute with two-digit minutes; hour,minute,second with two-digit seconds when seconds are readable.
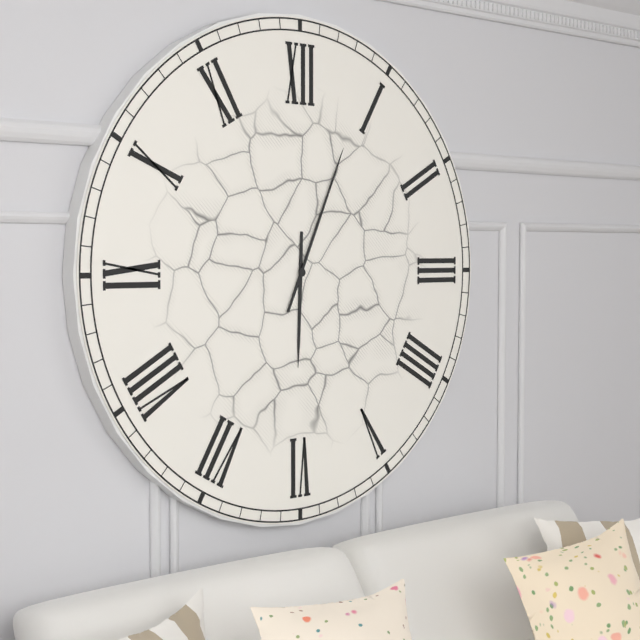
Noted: 6,04
